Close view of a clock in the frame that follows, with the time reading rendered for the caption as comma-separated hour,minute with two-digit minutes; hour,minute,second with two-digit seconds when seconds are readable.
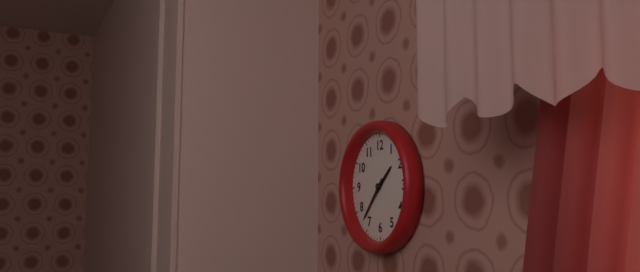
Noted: 1,37
